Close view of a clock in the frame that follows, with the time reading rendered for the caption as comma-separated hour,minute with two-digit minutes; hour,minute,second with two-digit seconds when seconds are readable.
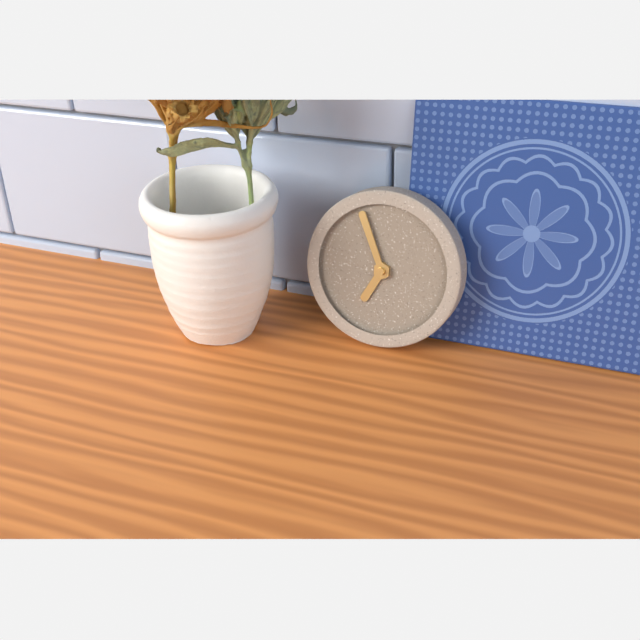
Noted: 6,56
